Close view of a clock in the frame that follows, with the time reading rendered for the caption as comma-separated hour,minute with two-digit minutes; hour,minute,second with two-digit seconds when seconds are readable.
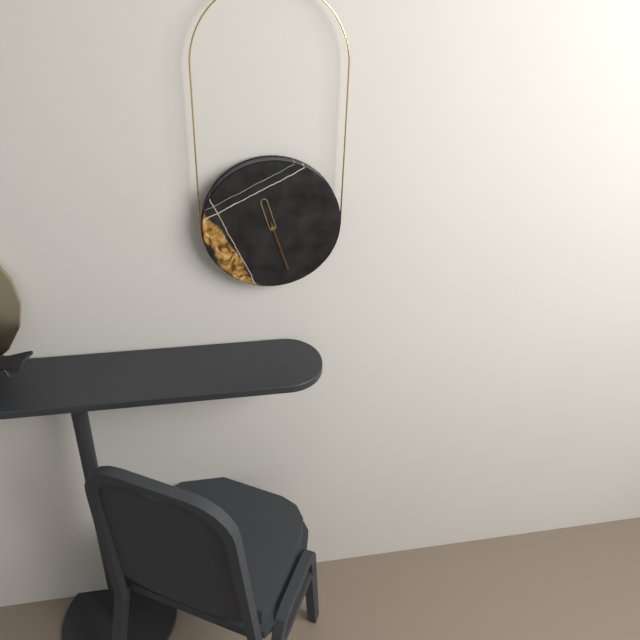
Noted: 11,27
